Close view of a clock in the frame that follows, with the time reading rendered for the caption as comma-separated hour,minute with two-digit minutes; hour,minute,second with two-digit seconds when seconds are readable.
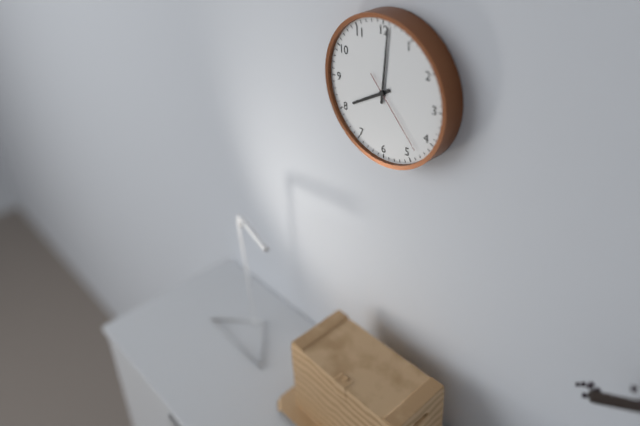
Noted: 8,01,23
